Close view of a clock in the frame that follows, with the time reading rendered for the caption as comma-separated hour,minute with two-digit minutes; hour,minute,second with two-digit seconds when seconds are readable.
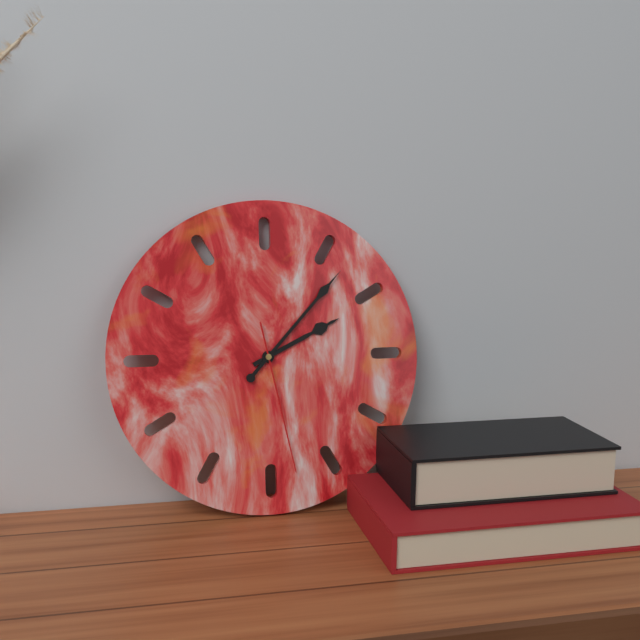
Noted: 2,07,28
